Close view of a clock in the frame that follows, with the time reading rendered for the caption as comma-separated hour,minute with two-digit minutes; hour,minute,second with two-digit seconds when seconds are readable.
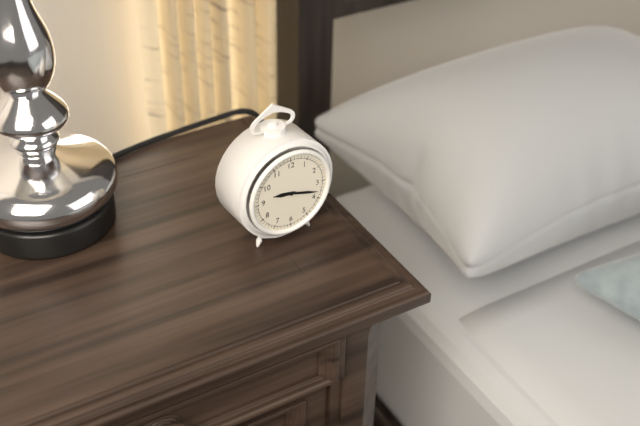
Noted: 9,18
